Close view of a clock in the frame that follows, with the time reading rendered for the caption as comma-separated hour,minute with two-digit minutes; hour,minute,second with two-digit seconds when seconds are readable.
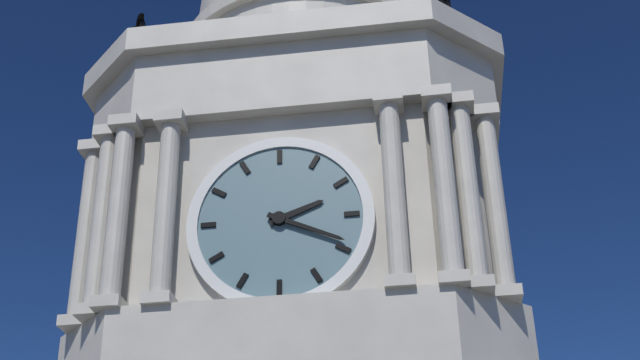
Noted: 2,19
